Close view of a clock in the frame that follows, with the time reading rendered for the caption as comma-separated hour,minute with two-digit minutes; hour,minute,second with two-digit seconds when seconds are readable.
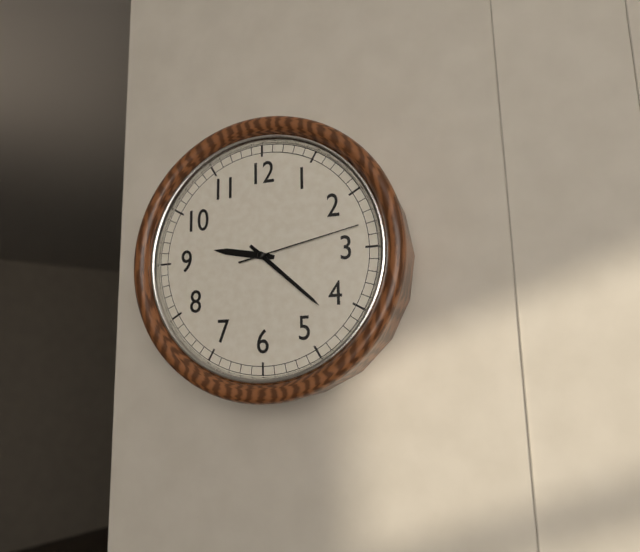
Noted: 9,22,13
